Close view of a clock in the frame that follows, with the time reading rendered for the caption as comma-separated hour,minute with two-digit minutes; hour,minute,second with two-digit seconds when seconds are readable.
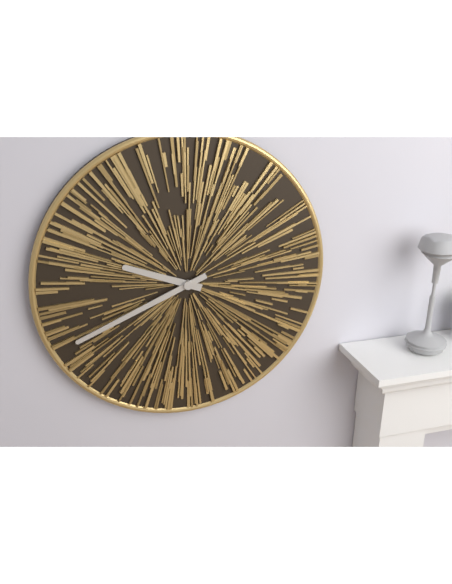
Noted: 9,41
